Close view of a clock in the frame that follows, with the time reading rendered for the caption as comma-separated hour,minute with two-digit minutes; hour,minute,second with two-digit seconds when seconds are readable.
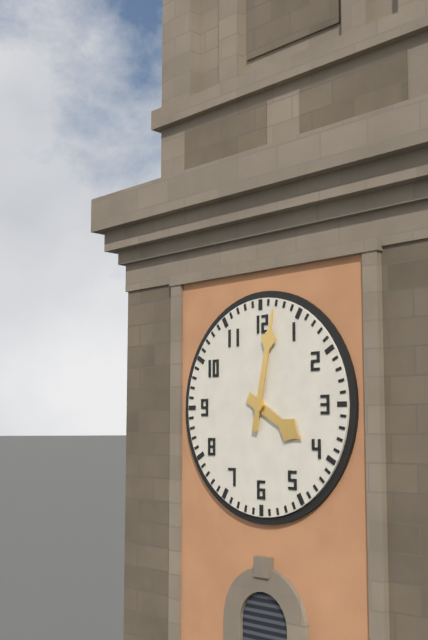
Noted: 4,02
